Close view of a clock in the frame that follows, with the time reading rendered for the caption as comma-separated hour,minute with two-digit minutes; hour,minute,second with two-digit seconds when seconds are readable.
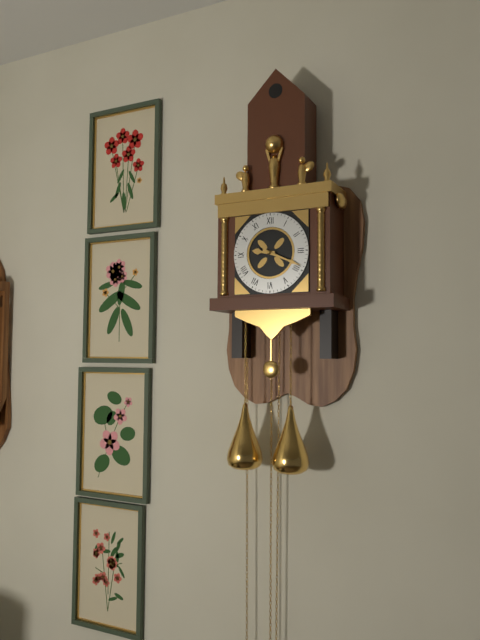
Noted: 9,19
